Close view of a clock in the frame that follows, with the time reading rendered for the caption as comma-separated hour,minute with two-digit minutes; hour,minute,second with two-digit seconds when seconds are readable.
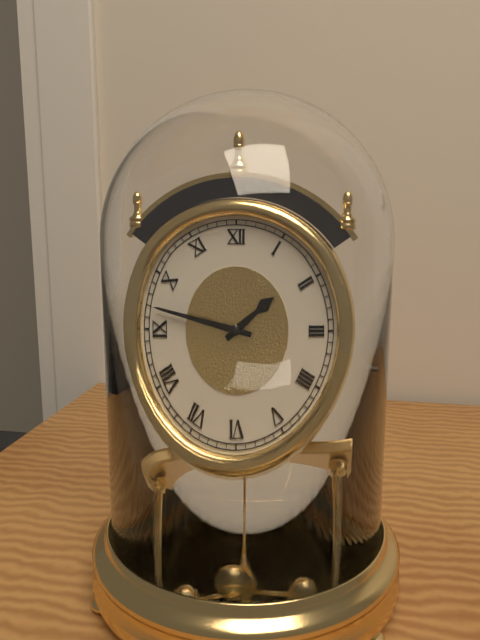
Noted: 1,47
